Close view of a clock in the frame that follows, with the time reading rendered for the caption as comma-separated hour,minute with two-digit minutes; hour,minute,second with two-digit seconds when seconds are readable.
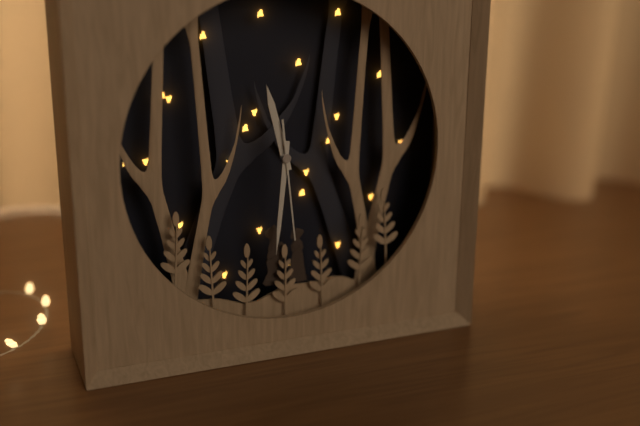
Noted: 11,31,29
